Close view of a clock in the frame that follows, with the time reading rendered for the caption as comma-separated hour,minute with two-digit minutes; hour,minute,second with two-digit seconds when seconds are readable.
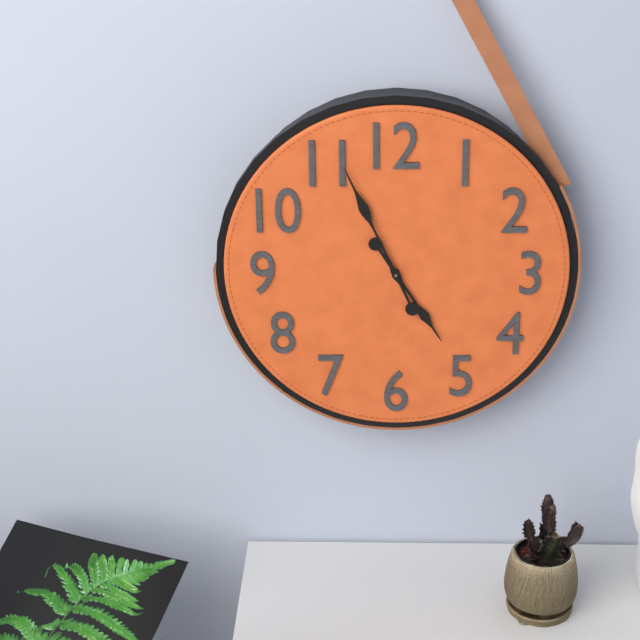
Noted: 4,56
